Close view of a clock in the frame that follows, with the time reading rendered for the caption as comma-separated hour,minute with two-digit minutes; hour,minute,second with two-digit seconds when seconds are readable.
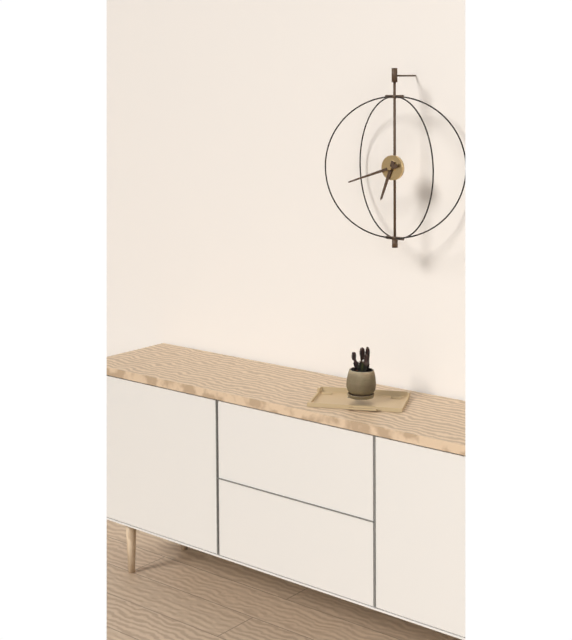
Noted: 6,42
